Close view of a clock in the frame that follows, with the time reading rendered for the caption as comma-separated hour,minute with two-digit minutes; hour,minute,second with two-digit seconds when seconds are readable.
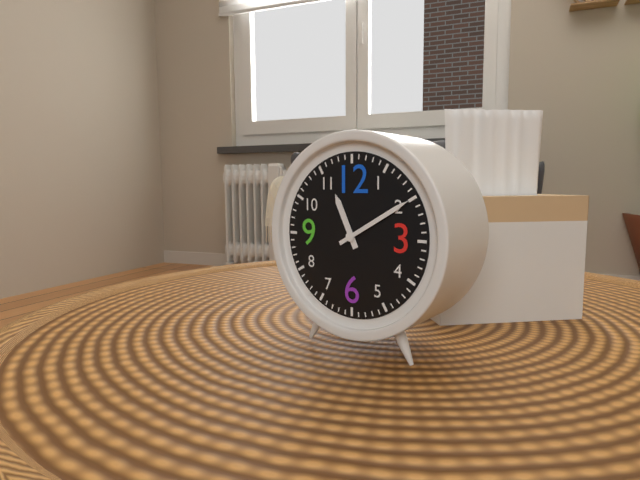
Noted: 11,10
